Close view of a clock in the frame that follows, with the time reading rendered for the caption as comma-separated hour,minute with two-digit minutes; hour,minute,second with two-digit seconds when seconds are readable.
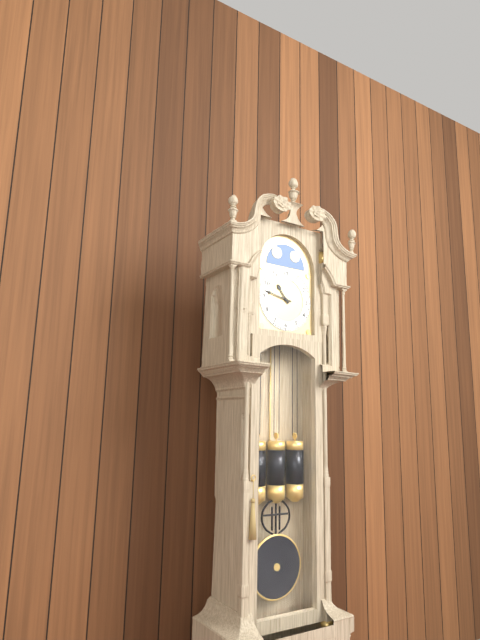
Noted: 10,47
